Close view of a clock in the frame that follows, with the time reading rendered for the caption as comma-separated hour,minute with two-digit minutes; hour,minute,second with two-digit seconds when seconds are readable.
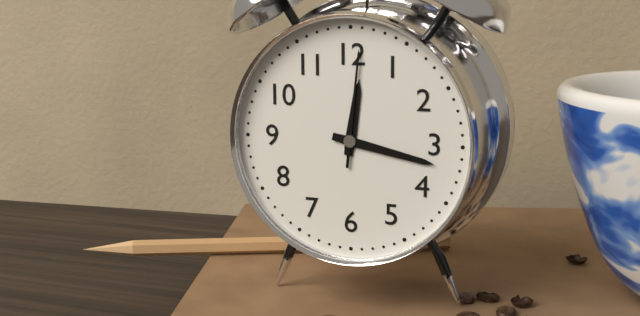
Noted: 12,17,01
